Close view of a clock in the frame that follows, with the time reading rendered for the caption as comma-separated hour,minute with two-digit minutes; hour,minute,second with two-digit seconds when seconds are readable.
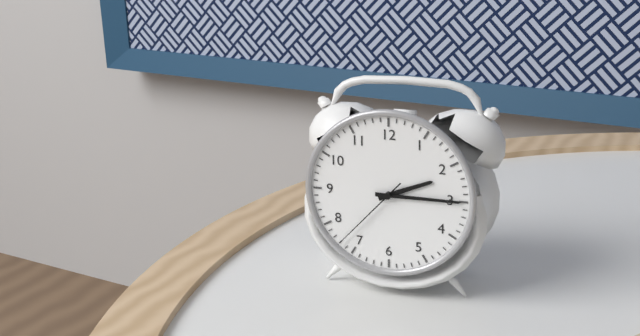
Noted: 2,15,37
